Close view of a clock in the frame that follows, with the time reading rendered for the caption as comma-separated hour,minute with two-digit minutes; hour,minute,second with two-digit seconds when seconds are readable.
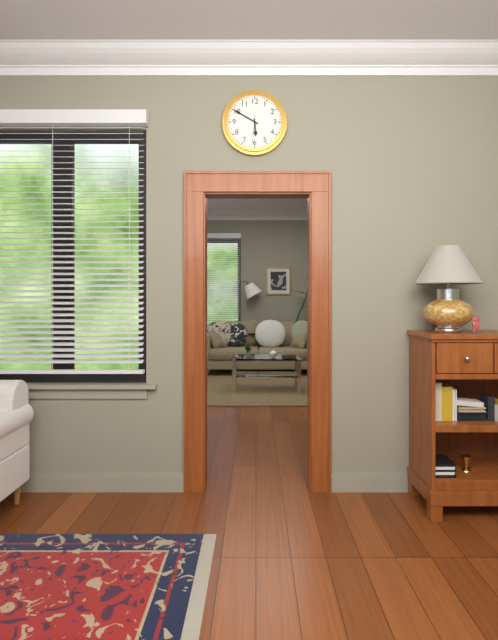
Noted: 5,50
